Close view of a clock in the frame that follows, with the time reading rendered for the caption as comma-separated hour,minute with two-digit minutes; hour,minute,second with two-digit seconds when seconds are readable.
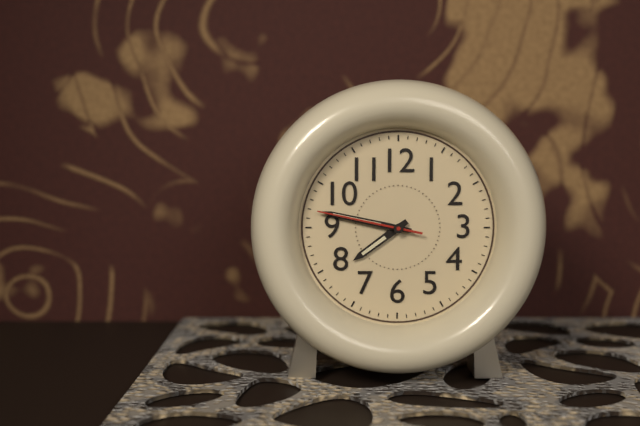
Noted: 7,47,47
